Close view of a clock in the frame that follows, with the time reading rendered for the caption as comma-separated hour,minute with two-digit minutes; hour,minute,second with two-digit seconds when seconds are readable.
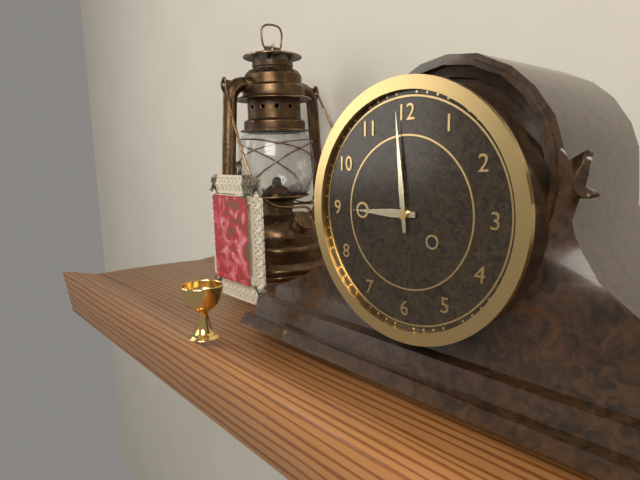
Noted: 8,59
